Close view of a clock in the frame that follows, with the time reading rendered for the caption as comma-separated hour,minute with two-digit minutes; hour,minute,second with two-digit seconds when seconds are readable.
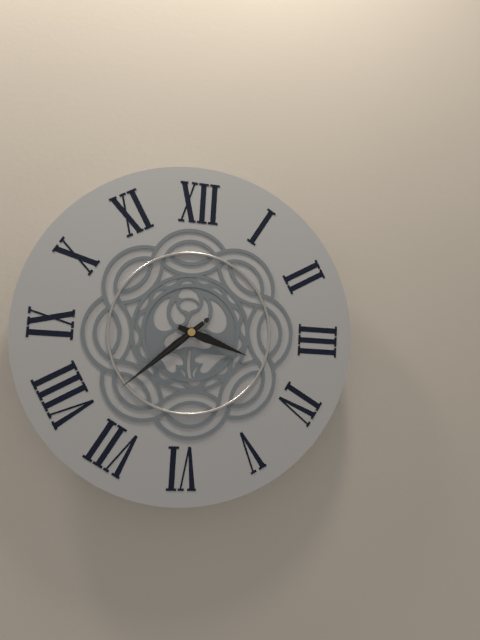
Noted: 3,38,38
